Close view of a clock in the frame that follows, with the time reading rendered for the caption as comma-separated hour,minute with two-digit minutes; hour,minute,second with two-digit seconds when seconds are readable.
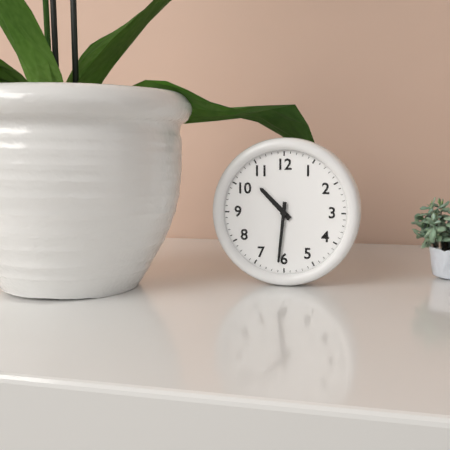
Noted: 10,31
